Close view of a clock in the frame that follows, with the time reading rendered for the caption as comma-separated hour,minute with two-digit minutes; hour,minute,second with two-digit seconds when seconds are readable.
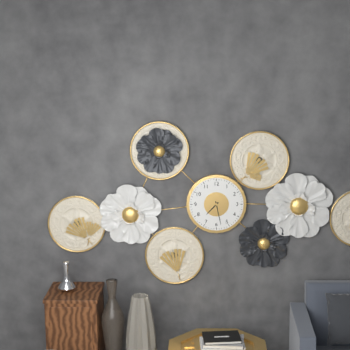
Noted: 7,28
